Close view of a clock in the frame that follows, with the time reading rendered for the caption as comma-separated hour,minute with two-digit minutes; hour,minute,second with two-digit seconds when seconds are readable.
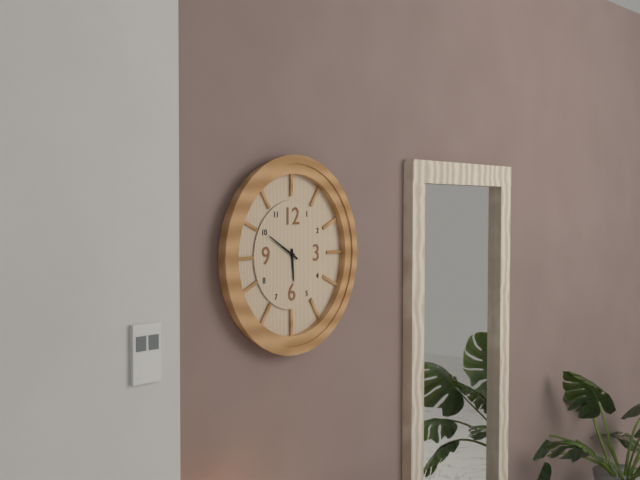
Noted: 5,50
